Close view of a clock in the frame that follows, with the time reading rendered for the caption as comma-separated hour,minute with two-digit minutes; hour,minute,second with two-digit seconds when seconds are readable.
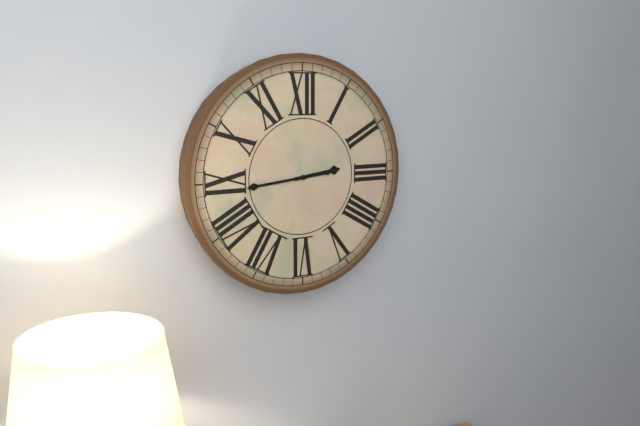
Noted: 2,44
